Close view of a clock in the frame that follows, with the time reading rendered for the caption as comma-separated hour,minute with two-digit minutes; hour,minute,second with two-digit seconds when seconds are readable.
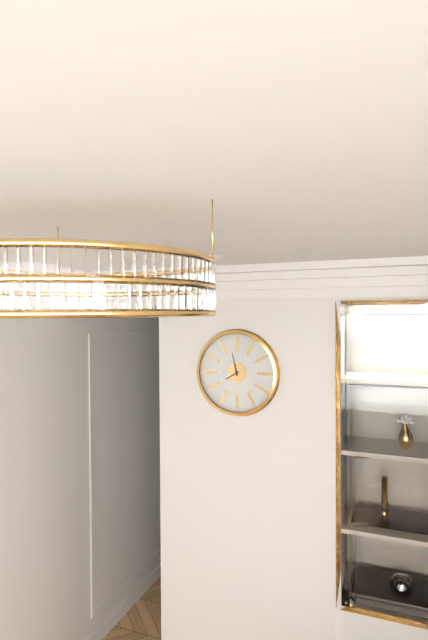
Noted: 7,58
